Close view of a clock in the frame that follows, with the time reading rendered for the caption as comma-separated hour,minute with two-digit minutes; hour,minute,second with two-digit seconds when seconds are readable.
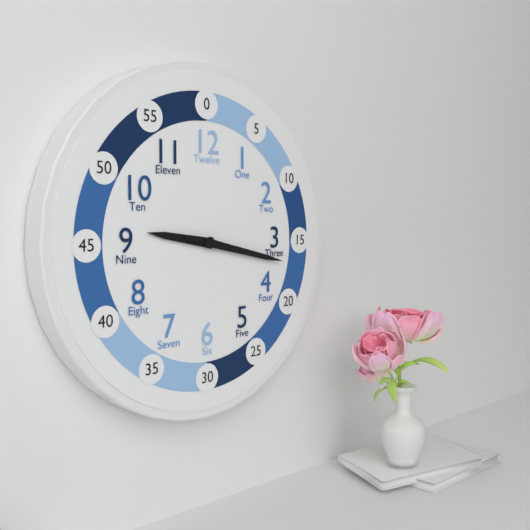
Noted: 9,17
